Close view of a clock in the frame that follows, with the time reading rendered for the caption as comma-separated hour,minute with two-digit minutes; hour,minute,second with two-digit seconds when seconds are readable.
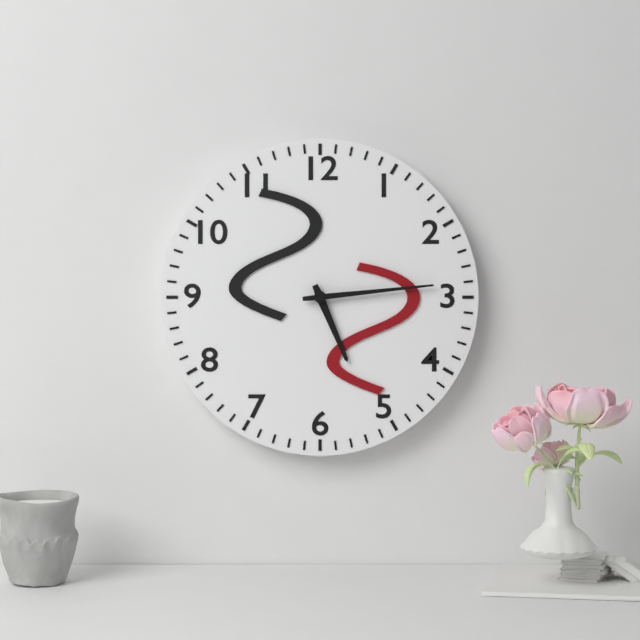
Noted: 5,14
